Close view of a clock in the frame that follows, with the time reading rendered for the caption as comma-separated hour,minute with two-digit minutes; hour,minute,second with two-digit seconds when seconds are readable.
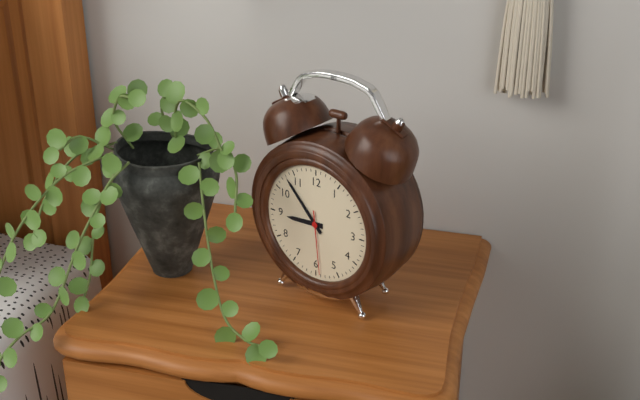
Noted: 8,53,29
